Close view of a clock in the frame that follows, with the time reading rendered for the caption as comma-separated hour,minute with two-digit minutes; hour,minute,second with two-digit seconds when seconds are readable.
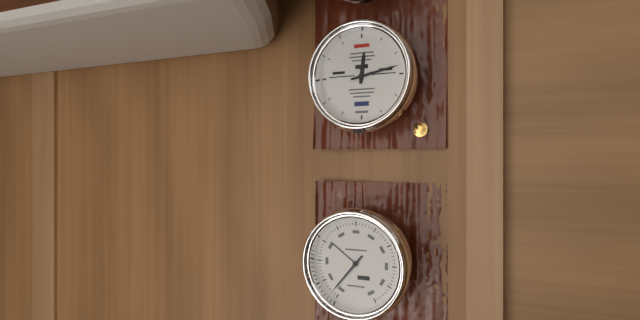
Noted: 12,13
